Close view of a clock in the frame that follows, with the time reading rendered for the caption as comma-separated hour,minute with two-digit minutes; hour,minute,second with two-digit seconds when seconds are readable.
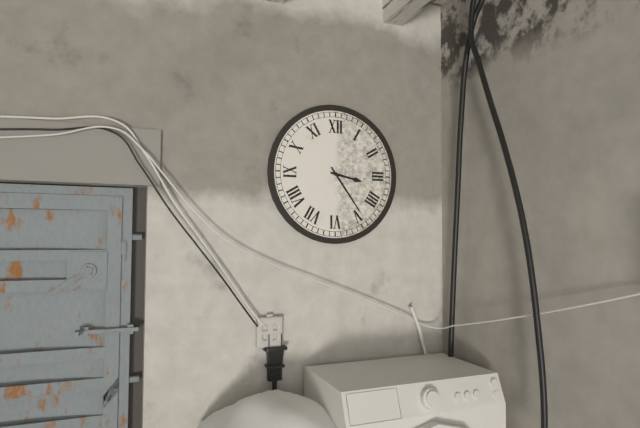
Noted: 3,24
